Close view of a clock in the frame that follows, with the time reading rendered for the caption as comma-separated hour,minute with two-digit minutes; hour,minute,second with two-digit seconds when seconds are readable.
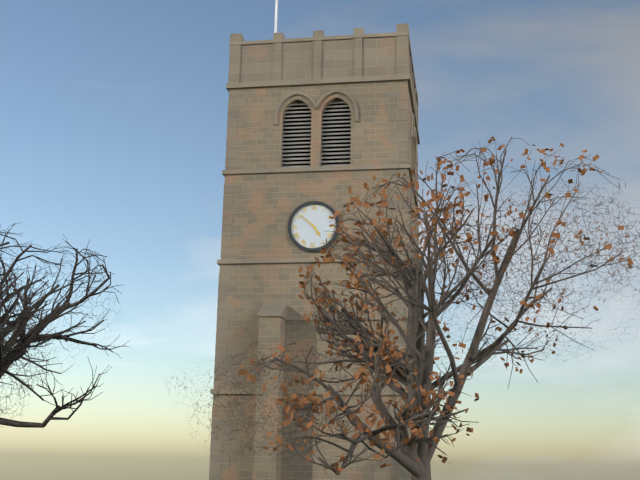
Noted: 4,52
